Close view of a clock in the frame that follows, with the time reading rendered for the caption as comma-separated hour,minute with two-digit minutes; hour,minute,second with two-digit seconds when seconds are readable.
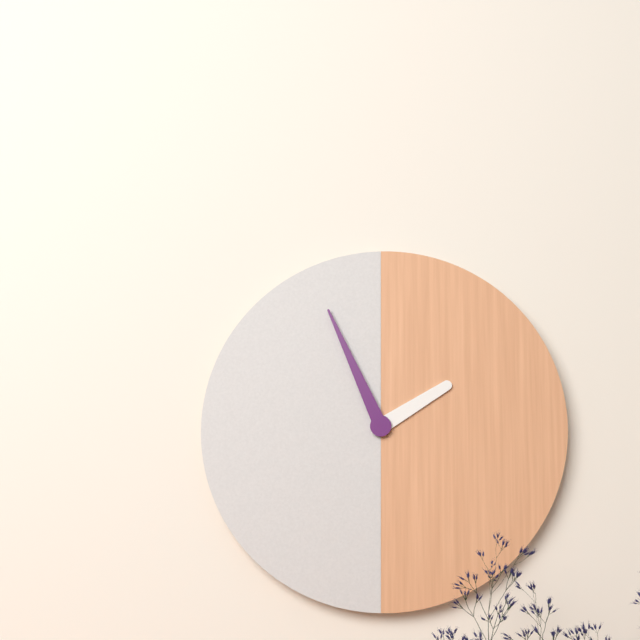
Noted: 1,56
